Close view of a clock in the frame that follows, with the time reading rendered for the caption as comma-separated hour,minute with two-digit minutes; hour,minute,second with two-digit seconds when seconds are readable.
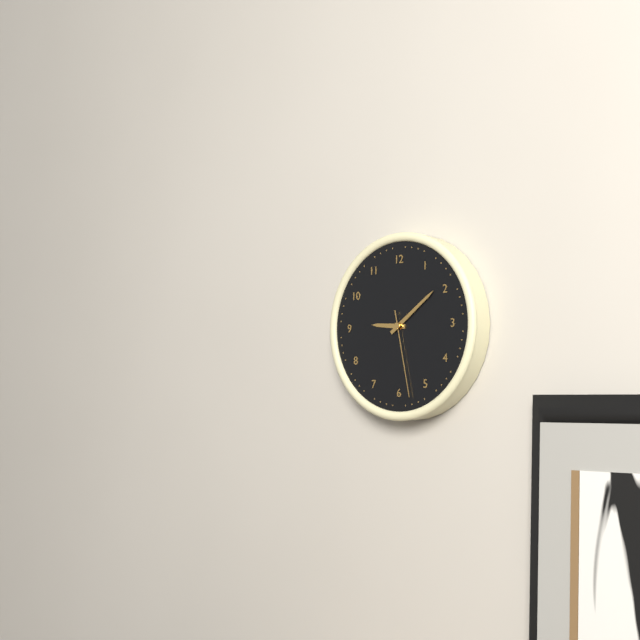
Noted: 9,09,28
